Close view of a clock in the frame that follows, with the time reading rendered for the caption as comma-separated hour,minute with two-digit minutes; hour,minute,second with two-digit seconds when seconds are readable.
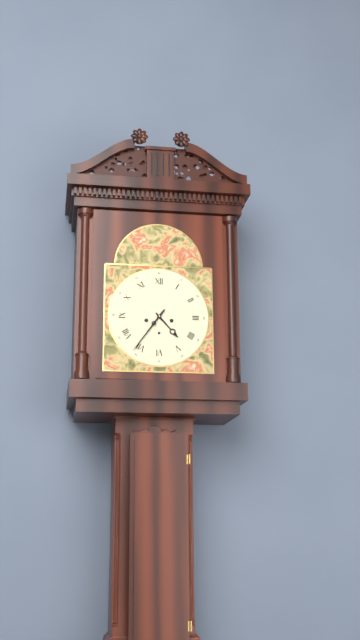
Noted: 4,36
